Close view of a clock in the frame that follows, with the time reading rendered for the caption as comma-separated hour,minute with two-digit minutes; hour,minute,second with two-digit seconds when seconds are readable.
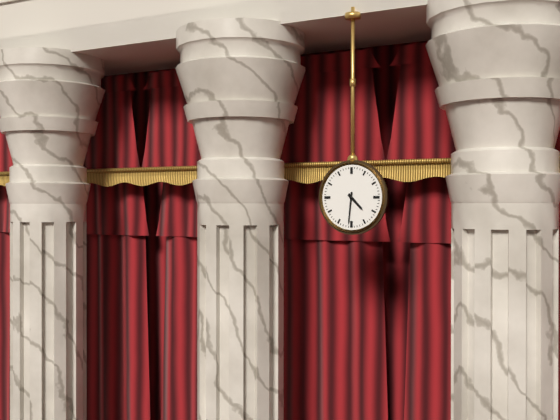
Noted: 4,31
